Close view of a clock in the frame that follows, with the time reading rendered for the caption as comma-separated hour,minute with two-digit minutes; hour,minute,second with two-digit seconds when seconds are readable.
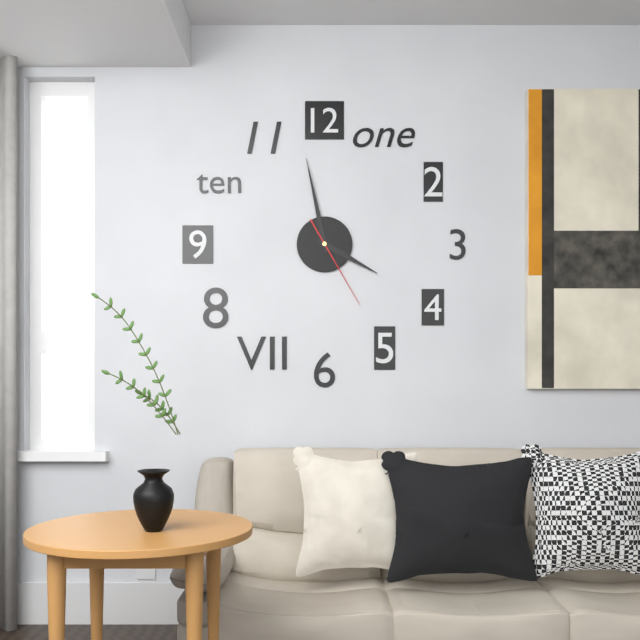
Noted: 3,58,25
